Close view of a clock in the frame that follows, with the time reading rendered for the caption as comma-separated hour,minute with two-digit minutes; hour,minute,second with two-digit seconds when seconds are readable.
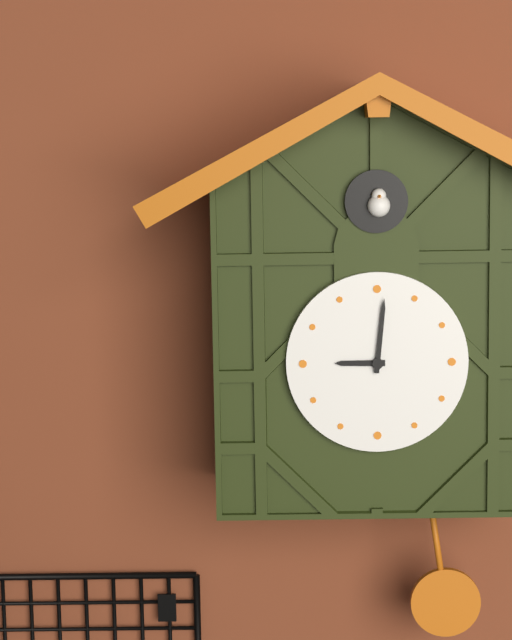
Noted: 9,01
